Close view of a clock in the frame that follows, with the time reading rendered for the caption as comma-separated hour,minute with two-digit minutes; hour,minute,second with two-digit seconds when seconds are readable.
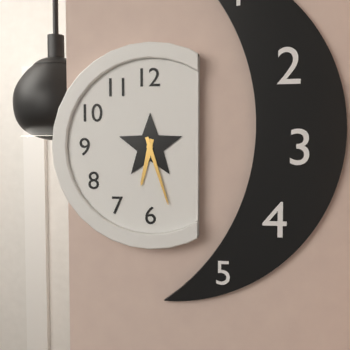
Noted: 6,27
